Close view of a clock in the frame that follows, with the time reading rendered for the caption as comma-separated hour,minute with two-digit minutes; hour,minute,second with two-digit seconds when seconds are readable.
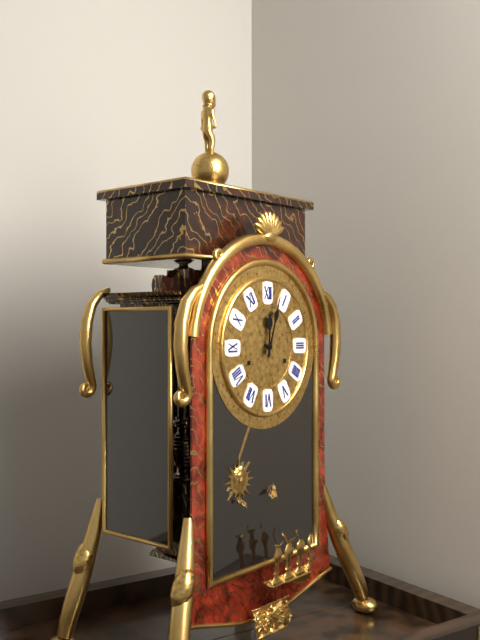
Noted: 12,03
